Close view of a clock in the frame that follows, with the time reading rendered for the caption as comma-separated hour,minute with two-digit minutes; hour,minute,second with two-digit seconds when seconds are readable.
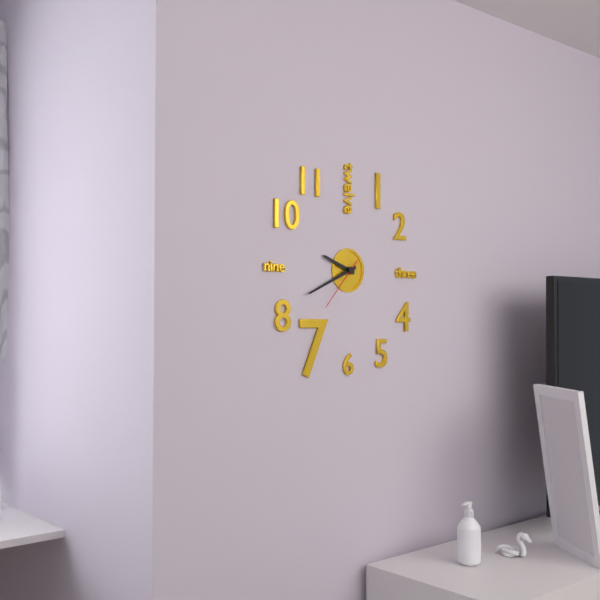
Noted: 9,41,37
